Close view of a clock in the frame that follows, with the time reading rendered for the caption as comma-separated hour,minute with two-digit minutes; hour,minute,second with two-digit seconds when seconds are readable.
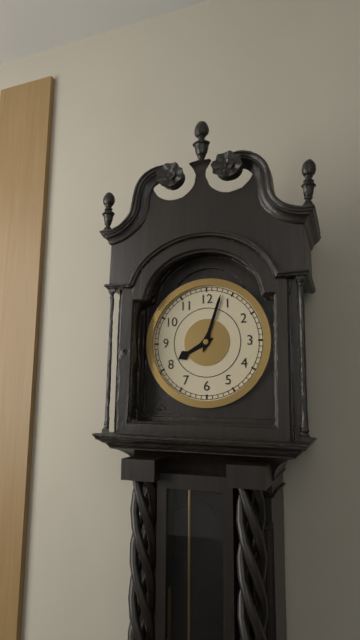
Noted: 8,03
